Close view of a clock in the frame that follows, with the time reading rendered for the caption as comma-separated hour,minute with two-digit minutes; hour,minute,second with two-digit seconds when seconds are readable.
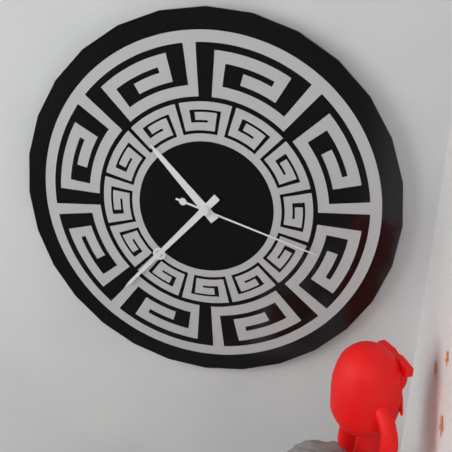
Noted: 10,37,18
